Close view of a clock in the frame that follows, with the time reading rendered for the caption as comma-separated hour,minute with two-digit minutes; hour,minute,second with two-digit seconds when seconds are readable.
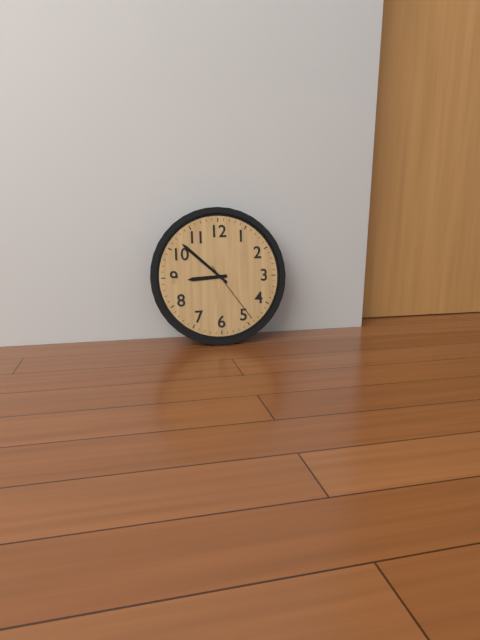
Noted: 8,52,24
